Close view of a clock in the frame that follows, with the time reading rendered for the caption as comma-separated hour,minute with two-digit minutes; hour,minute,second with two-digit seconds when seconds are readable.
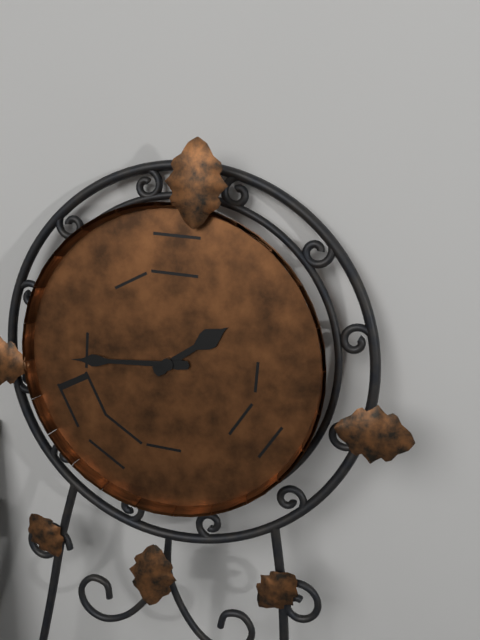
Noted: 1,44
